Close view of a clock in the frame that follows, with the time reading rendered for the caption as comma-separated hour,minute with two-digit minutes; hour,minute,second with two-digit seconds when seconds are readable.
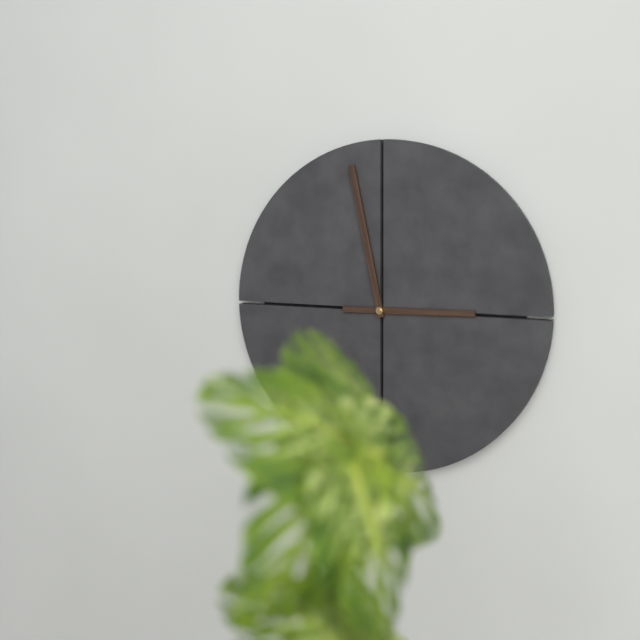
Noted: 2,58
